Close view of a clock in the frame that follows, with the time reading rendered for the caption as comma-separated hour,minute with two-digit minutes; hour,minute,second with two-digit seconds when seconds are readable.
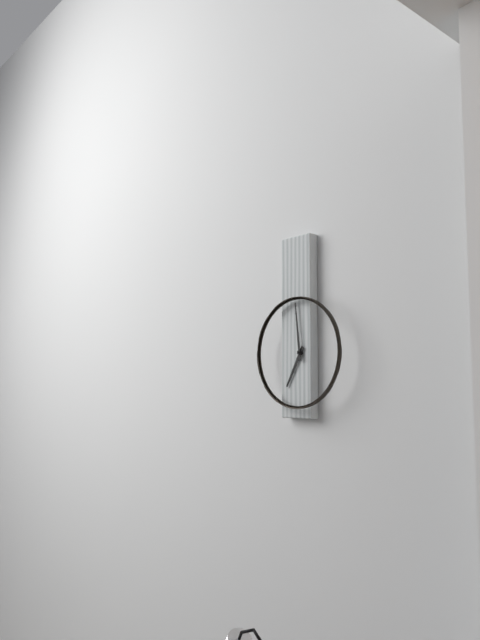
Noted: 6,59
